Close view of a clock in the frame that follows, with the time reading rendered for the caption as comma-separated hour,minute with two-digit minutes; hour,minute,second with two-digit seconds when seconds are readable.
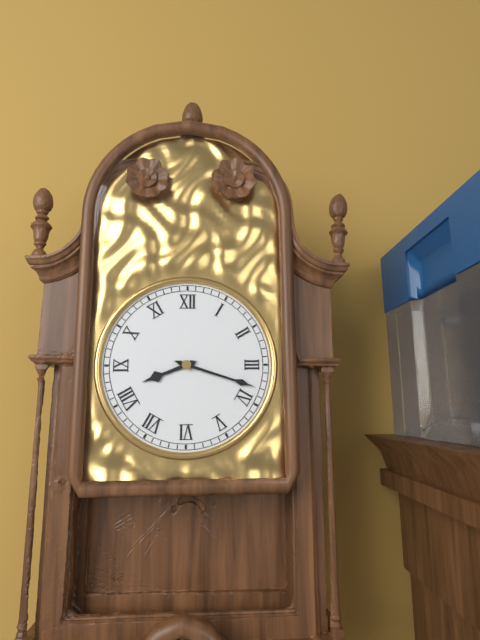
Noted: 8,18
